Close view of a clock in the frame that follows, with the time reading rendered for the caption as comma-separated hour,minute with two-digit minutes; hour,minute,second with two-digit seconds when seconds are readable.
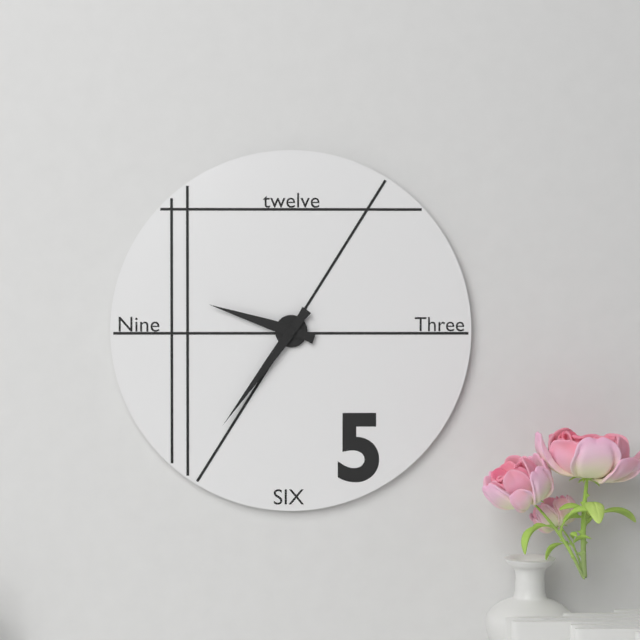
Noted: 9,36
